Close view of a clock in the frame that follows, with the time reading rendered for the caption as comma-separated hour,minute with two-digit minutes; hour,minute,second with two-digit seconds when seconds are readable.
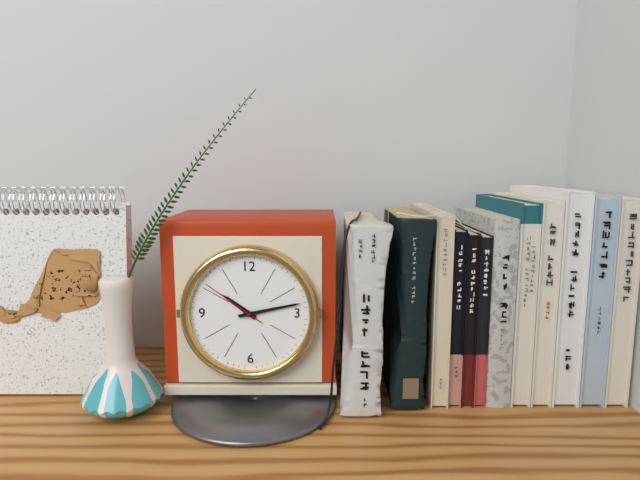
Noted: 10,13,51
